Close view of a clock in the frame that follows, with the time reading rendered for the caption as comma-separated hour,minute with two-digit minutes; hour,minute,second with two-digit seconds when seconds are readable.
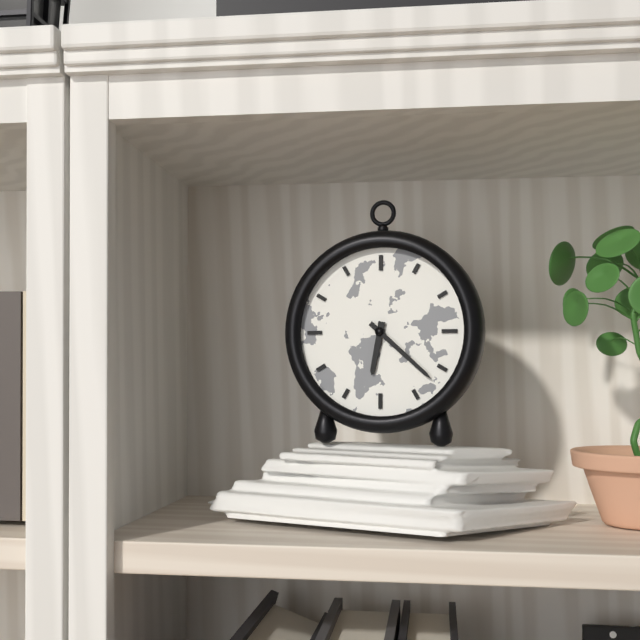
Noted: 6,22
